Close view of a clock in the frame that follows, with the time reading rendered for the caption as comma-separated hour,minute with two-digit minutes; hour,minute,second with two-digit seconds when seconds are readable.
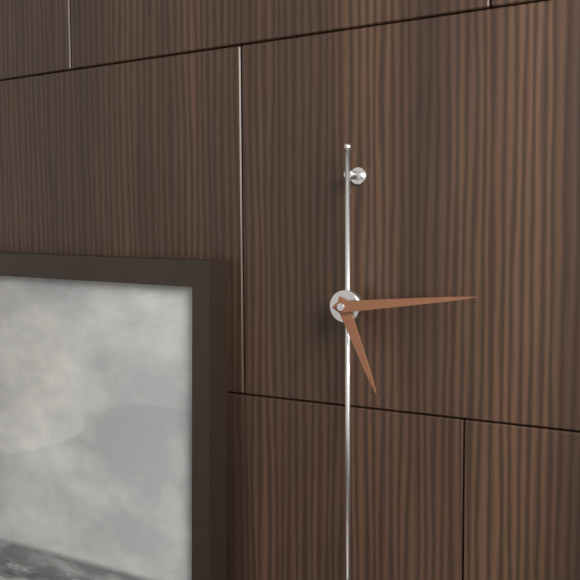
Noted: 5,14
